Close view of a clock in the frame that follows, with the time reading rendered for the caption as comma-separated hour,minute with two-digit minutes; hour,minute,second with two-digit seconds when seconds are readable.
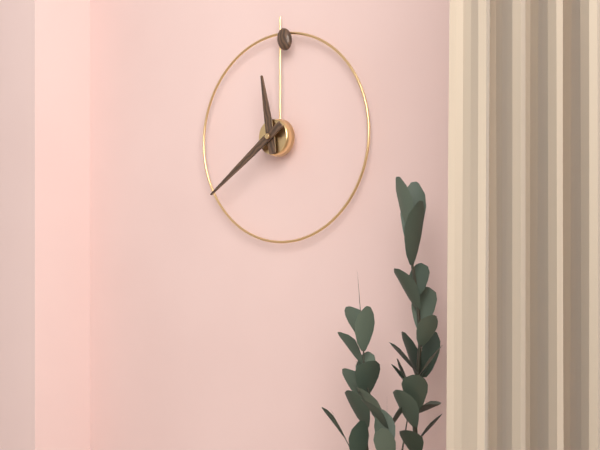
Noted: 11,39
